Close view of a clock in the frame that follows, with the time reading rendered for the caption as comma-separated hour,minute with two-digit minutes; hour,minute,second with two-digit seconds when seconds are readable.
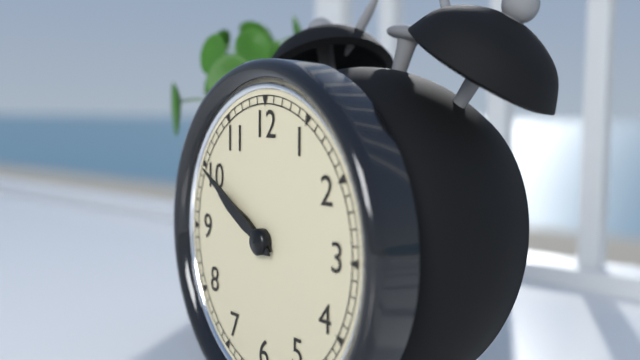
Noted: 9,50
